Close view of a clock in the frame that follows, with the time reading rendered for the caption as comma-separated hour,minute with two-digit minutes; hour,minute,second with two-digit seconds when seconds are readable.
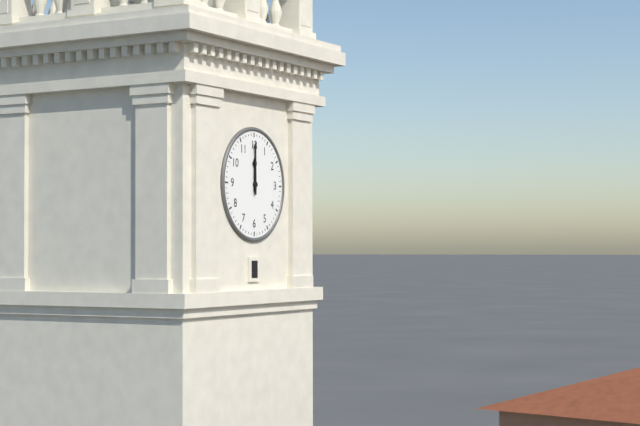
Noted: 12,00
